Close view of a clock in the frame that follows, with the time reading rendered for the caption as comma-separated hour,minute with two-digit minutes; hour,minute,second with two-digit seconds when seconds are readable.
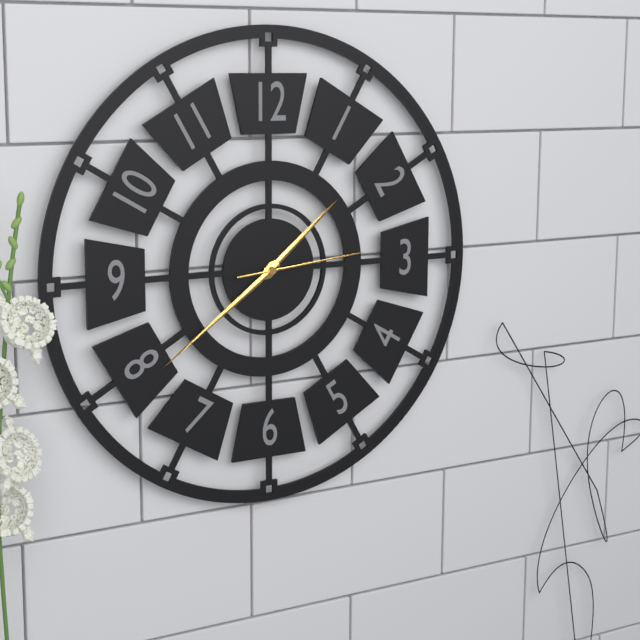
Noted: 1,39,14
